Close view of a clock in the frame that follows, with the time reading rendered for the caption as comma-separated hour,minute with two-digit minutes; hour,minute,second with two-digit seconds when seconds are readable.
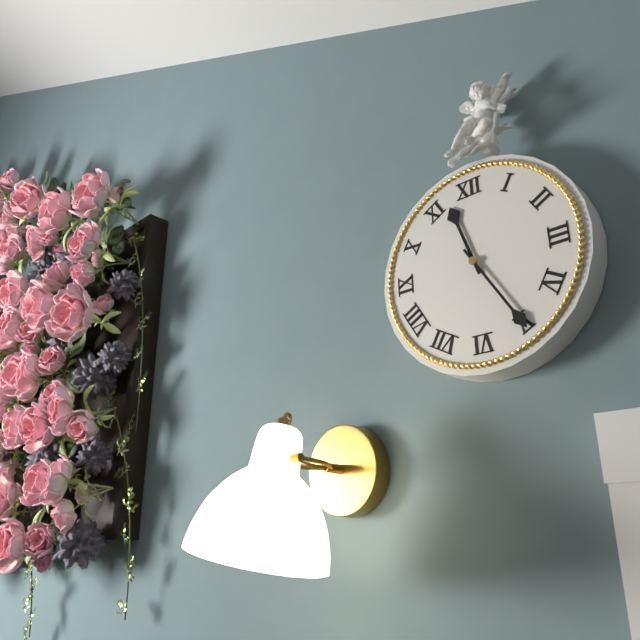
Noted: 11,25
